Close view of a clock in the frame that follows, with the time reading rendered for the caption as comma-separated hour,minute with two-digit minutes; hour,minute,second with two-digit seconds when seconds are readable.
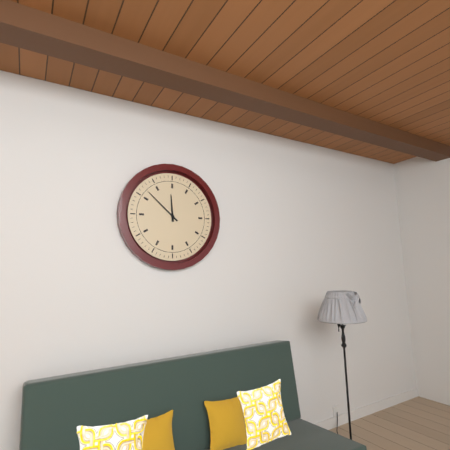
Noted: 11,52
